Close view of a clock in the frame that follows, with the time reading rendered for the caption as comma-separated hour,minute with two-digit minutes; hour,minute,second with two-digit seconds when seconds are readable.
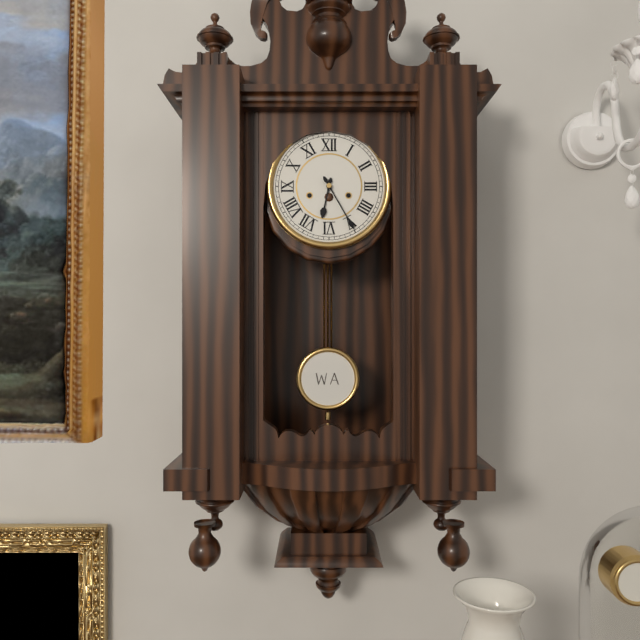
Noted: 6,25
